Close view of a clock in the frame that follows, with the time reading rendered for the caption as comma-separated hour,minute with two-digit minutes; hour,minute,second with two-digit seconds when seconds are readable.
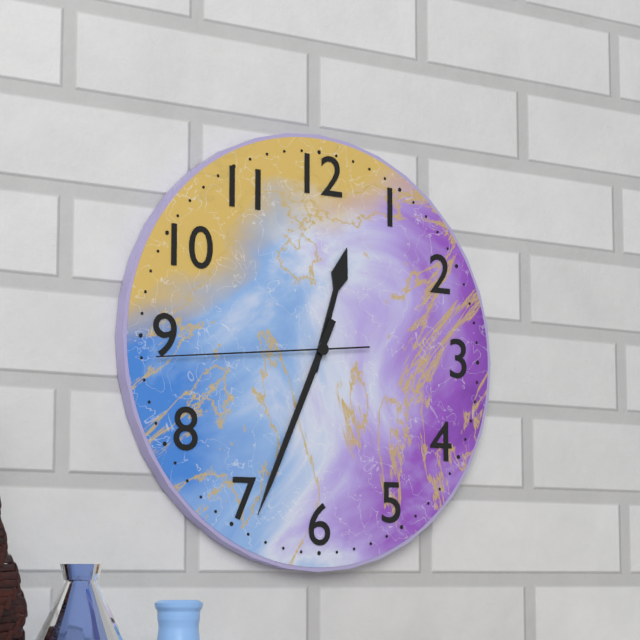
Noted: 12,34,44
